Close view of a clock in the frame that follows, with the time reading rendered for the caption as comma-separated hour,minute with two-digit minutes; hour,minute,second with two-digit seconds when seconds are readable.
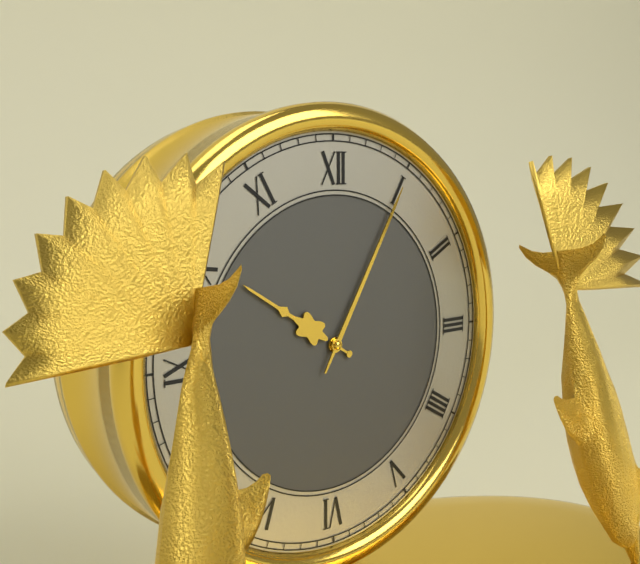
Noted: 10,05
